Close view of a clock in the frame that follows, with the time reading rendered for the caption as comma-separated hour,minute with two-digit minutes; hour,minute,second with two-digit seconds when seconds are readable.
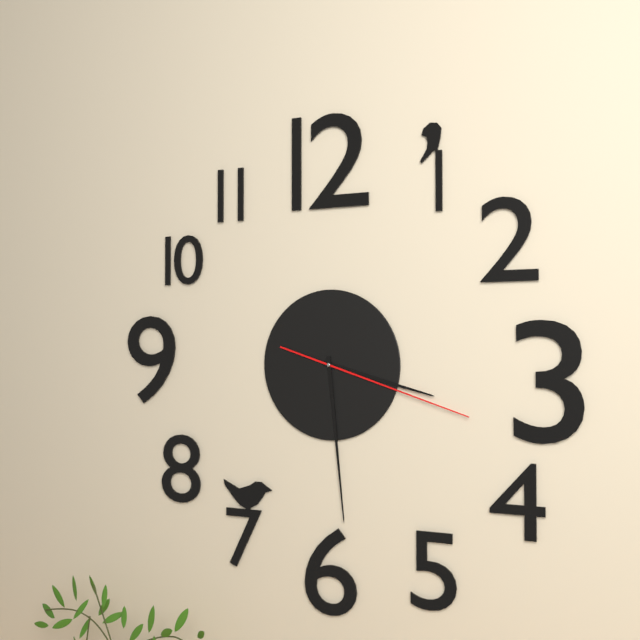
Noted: 3,29,18
